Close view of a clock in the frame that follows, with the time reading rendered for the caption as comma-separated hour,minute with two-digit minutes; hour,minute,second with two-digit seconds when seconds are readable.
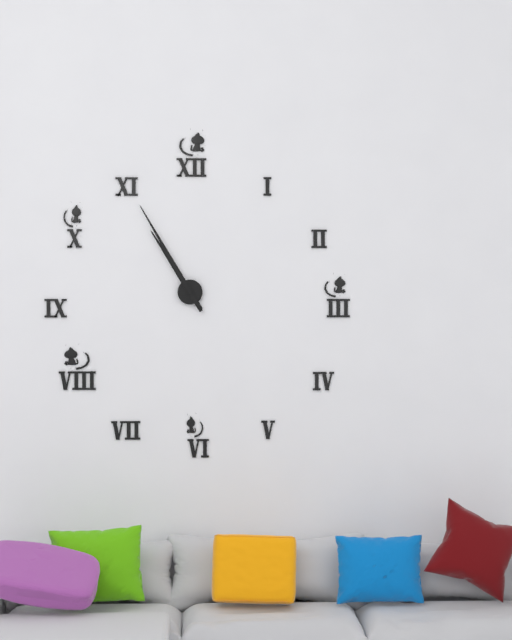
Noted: 10,55
